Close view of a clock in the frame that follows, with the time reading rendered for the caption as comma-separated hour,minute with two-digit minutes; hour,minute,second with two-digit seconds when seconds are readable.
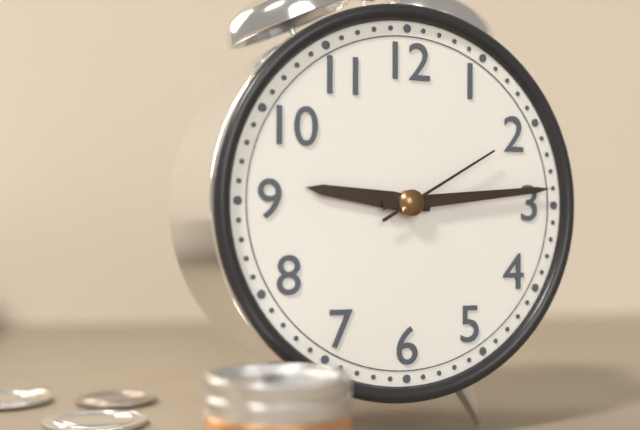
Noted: 9,14,10
